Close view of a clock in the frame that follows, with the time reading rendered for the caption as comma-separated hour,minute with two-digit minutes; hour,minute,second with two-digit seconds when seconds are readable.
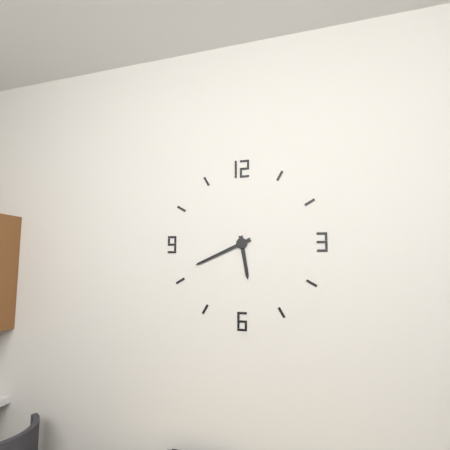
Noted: 5,41
